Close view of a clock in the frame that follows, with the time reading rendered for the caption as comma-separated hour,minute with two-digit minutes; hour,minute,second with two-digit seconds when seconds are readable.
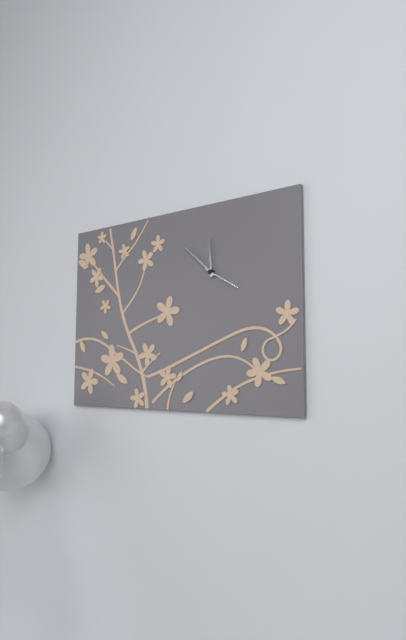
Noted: 11,52
